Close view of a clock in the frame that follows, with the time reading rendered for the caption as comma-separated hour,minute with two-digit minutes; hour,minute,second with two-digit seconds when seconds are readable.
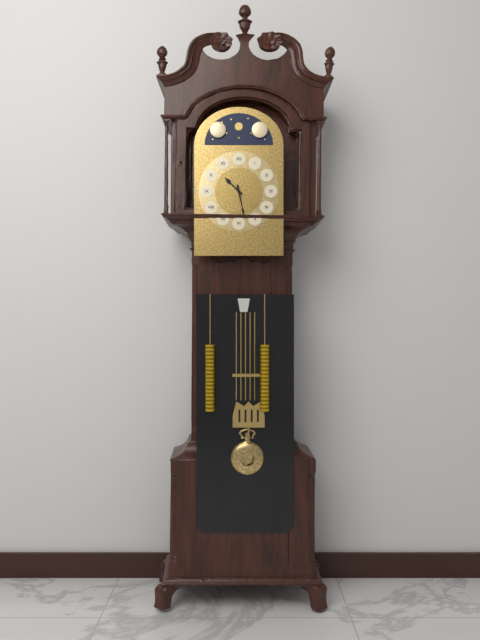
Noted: 10,28
